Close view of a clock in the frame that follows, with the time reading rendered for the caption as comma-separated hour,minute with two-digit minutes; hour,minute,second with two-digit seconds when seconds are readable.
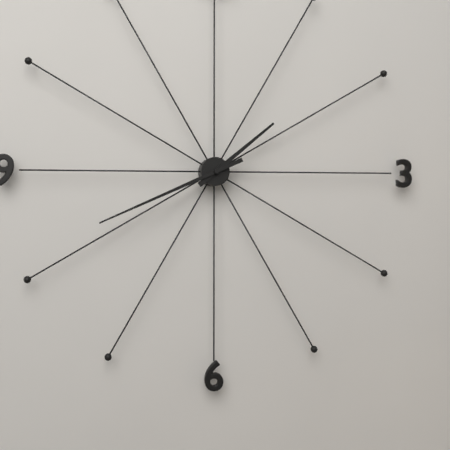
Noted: 1,41
